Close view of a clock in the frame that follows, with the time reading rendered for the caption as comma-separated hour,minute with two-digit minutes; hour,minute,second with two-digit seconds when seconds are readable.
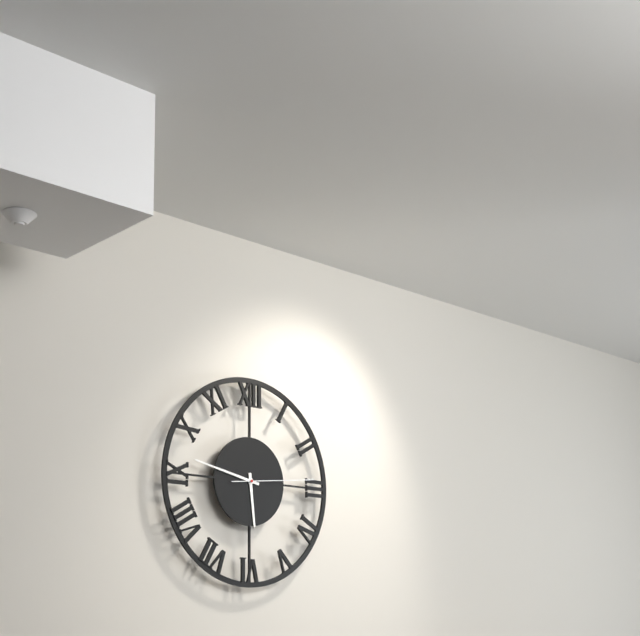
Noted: 5,47,14
